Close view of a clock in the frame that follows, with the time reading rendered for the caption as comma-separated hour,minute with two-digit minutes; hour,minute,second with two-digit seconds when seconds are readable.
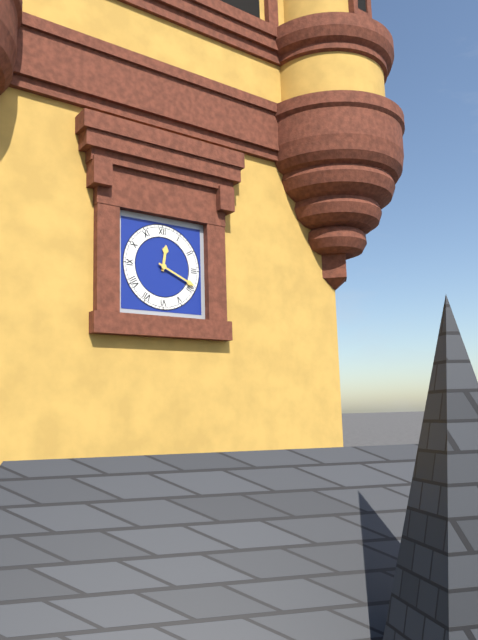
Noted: 12,19
